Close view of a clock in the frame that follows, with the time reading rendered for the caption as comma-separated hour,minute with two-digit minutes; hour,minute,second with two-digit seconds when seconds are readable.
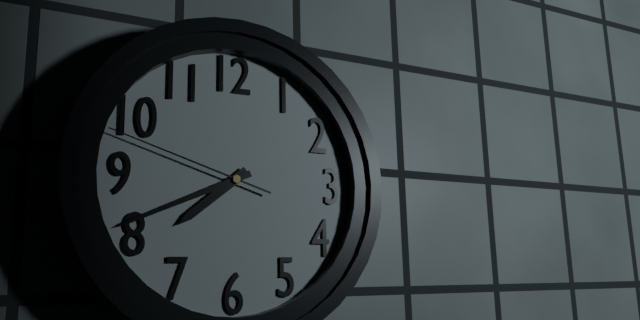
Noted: 7,41,48
